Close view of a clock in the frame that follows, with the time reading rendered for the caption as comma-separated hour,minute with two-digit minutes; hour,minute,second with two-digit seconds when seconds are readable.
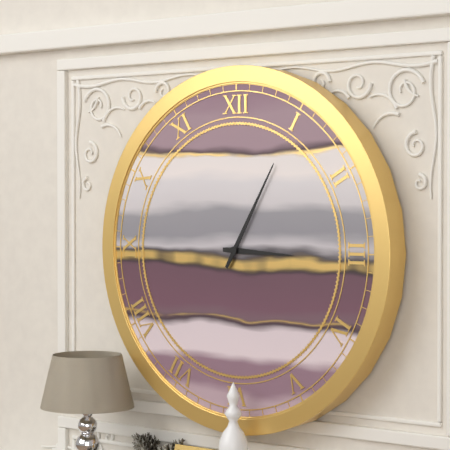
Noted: 3,05
